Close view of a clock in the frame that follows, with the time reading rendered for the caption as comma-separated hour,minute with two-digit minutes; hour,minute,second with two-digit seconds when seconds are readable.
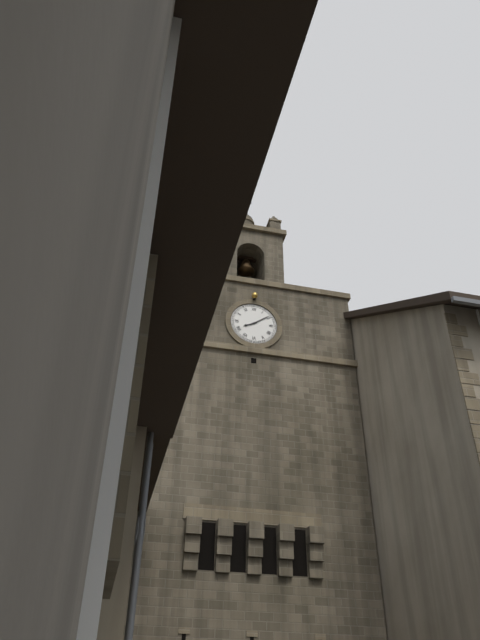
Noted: 8,09
